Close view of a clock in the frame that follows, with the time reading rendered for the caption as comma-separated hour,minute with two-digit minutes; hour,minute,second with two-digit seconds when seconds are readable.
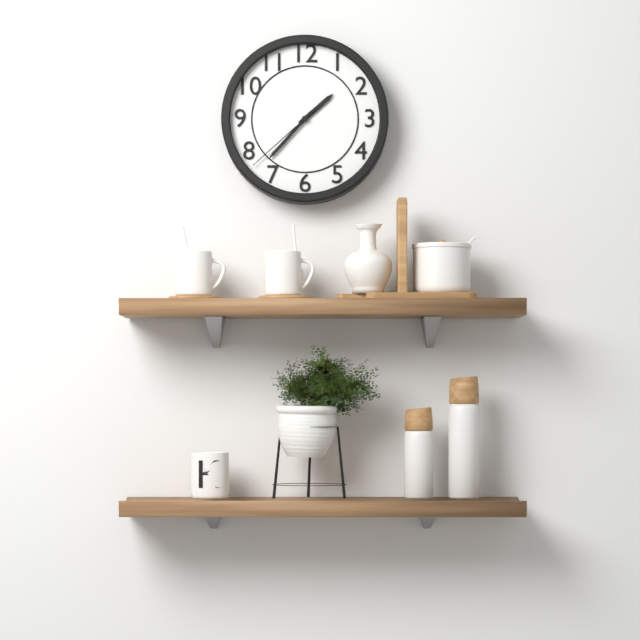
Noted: 1,37,38
